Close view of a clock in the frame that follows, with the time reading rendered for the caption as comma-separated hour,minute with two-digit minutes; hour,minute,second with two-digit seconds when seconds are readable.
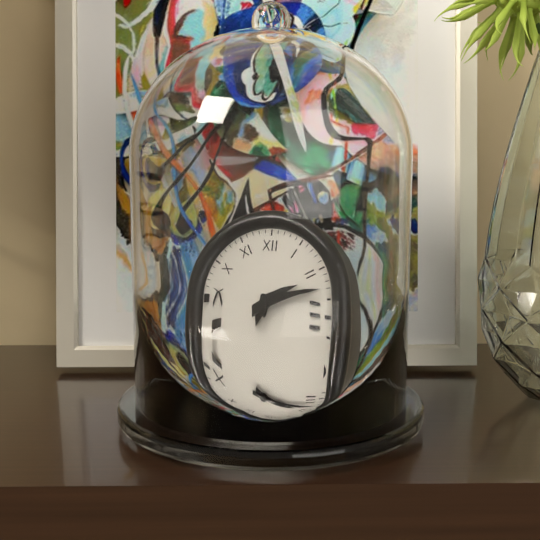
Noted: 2,13
